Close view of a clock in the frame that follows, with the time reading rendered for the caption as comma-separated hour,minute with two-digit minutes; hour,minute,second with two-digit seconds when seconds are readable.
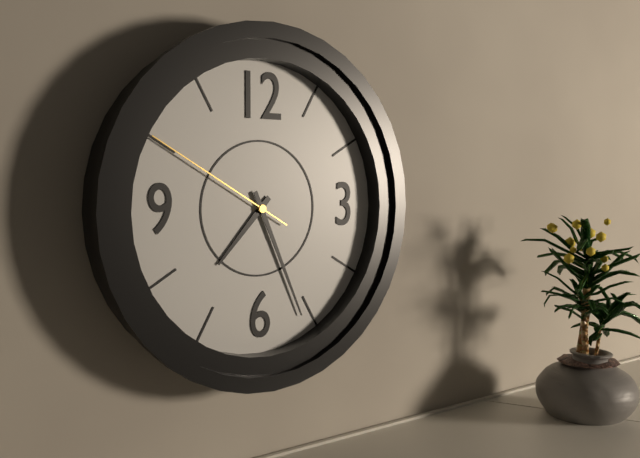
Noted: 7,26,50
